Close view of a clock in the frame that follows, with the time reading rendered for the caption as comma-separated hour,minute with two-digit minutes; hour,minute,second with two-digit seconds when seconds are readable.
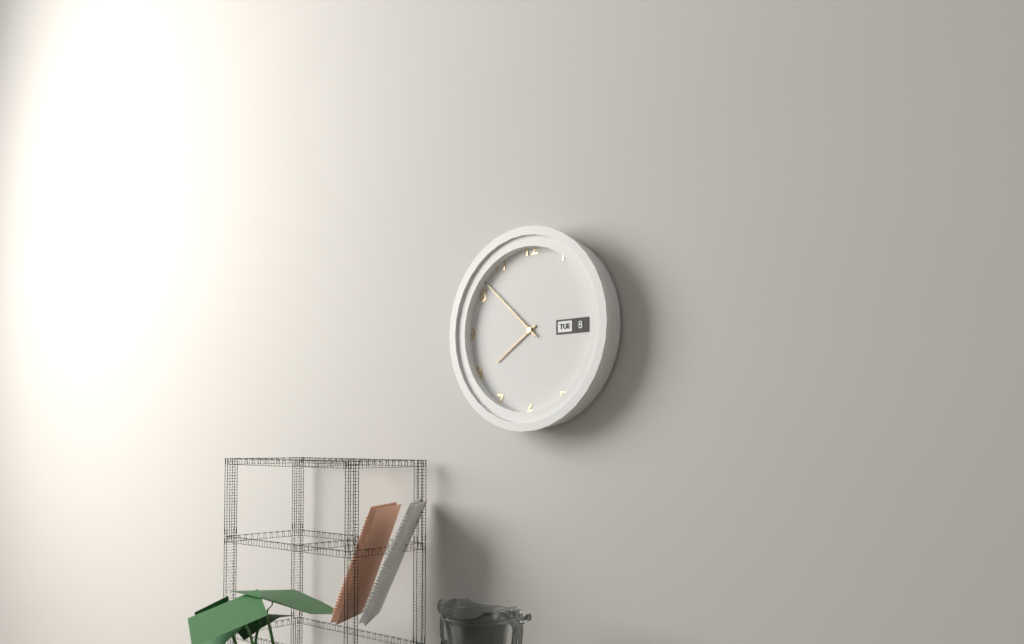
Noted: 7,52
